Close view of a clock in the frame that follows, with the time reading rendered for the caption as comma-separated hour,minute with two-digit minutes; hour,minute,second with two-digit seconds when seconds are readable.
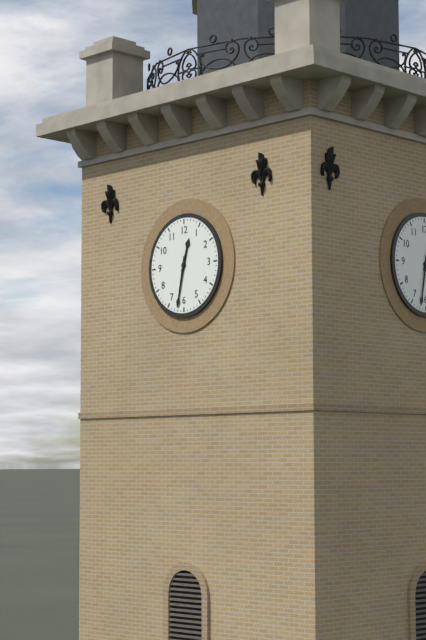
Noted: 12,32
